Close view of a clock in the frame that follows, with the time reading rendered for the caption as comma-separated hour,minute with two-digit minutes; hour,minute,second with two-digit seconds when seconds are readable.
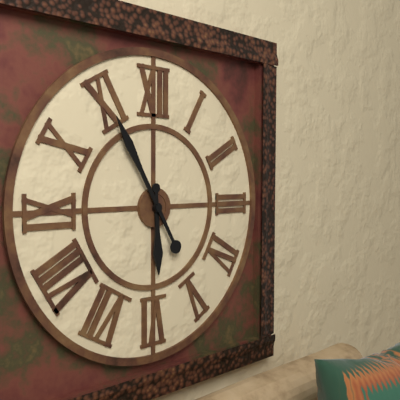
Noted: 5,55
